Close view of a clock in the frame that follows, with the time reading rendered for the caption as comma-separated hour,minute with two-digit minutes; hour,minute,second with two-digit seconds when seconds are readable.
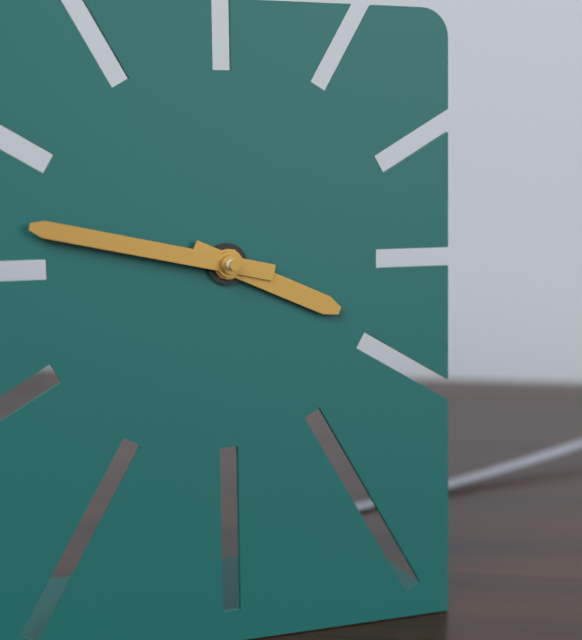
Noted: 3,47
